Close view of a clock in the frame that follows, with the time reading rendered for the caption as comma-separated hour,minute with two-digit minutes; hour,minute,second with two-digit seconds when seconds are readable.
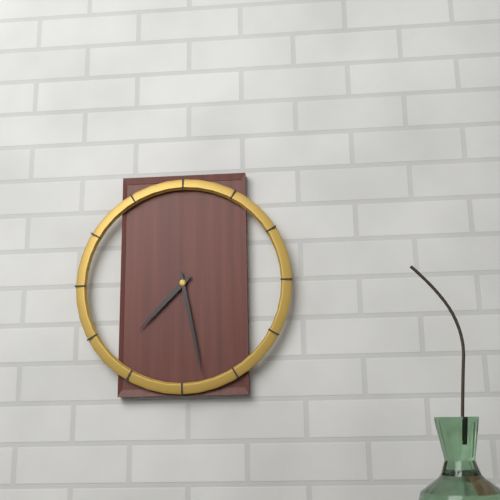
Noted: 7,28
